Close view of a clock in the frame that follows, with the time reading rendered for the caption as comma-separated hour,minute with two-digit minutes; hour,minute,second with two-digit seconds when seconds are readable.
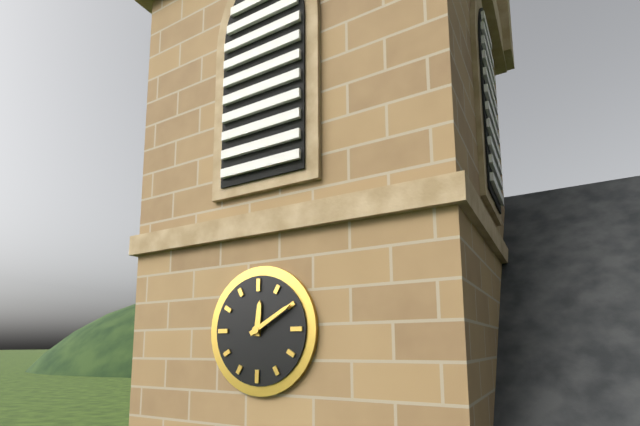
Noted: 12,10
